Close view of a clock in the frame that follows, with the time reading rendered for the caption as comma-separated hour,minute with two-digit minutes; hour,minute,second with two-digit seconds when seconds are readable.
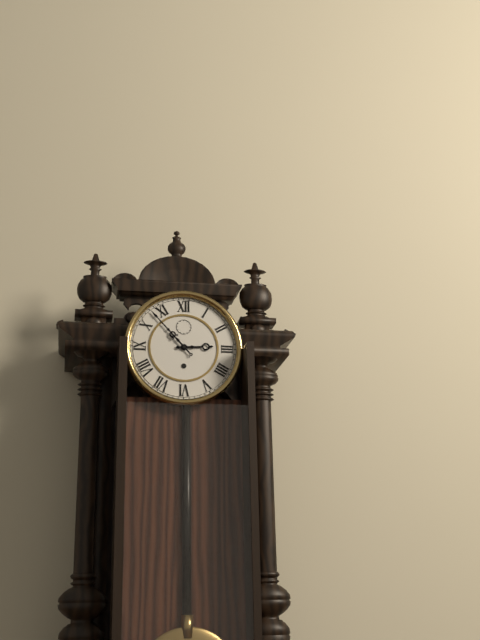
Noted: 2,53
